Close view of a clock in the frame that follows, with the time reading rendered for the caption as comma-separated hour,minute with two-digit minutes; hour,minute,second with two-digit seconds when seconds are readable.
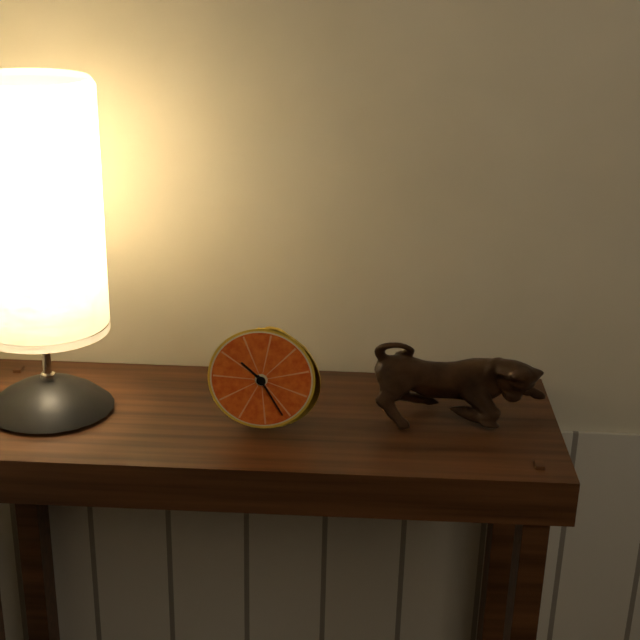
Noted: 10,25
